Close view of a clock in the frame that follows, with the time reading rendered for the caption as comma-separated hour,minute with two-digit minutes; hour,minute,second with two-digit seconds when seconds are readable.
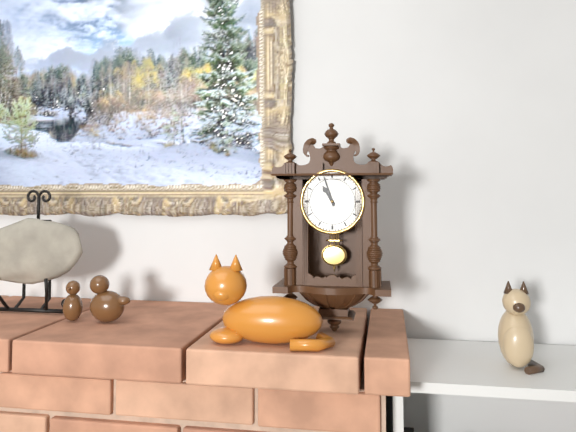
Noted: 10,57
